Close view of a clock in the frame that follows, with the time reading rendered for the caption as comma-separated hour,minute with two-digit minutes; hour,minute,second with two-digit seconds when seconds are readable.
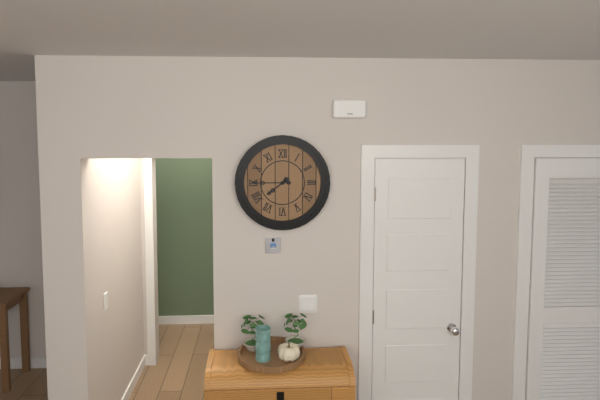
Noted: 7,45
